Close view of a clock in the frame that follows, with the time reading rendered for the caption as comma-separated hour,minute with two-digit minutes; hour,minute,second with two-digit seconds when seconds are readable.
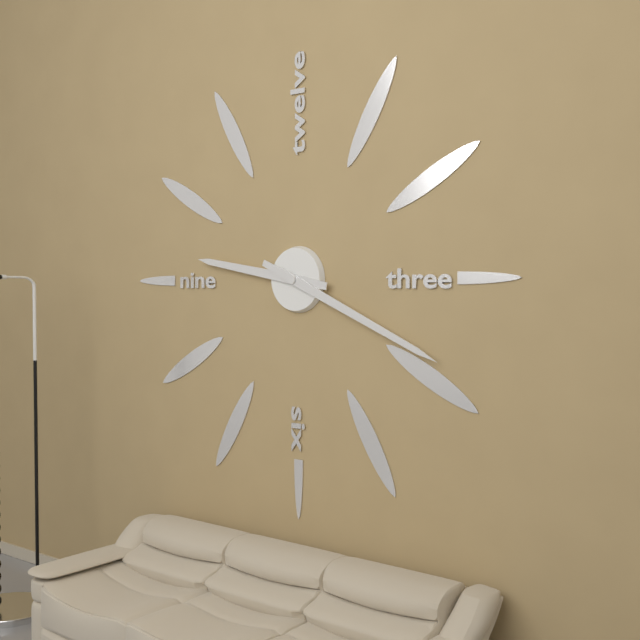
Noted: 9,19
